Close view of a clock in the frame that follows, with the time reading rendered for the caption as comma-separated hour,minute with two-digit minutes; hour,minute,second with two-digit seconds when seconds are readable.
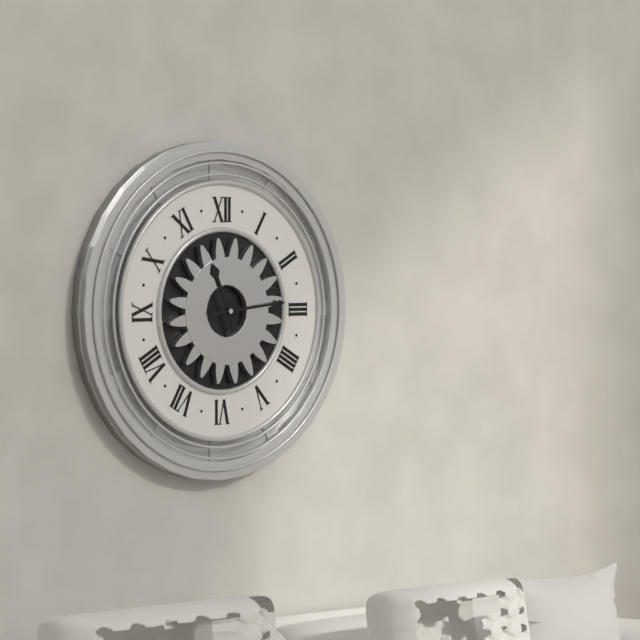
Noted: 11,14
